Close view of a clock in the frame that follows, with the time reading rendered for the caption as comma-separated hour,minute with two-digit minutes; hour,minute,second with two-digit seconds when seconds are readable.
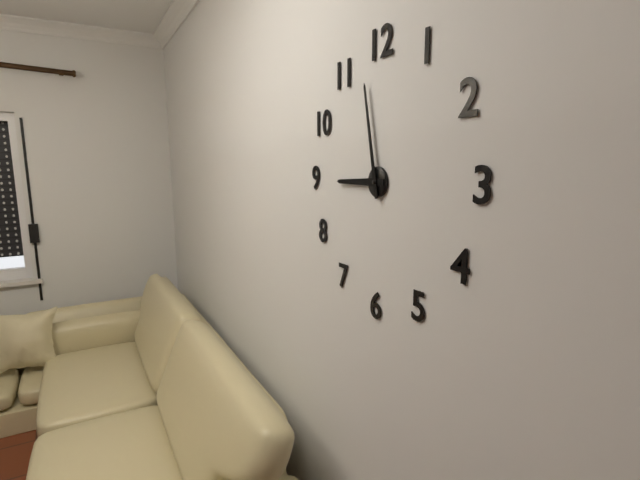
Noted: 8,58
